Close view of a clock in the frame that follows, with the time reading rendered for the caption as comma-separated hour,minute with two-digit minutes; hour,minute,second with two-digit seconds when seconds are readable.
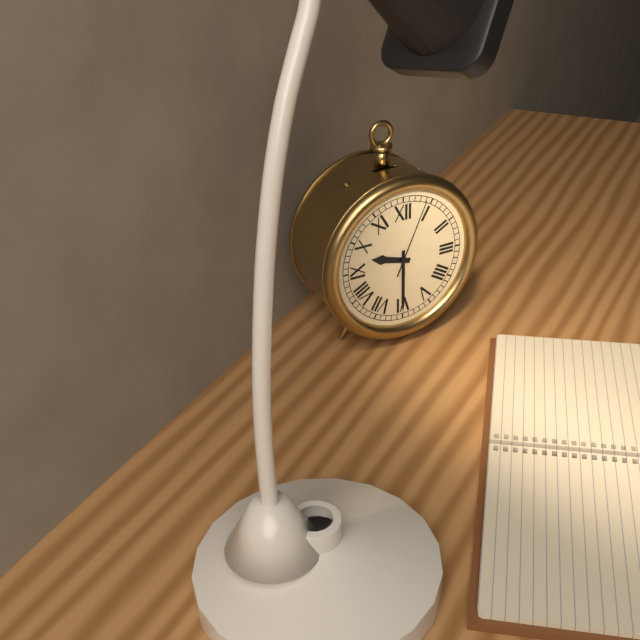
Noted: 9,30,04
